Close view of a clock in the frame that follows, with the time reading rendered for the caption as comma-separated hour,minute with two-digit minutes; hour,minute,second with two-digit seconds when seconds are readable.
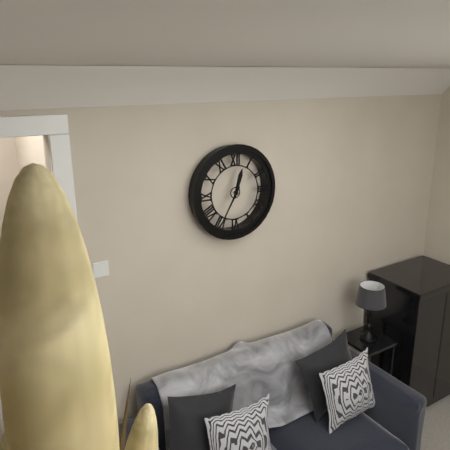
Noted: 12,35
